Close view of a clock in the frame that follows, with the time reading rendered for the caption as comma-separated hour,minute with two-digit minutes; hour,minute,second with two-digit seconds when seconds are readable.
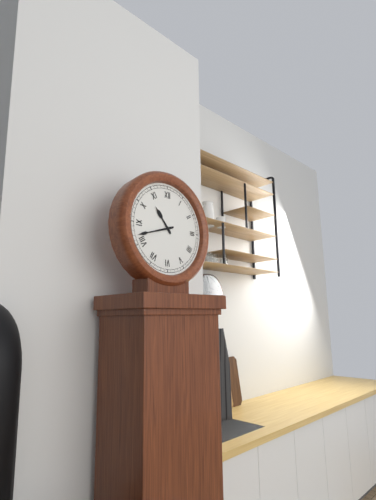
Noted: 10,42
